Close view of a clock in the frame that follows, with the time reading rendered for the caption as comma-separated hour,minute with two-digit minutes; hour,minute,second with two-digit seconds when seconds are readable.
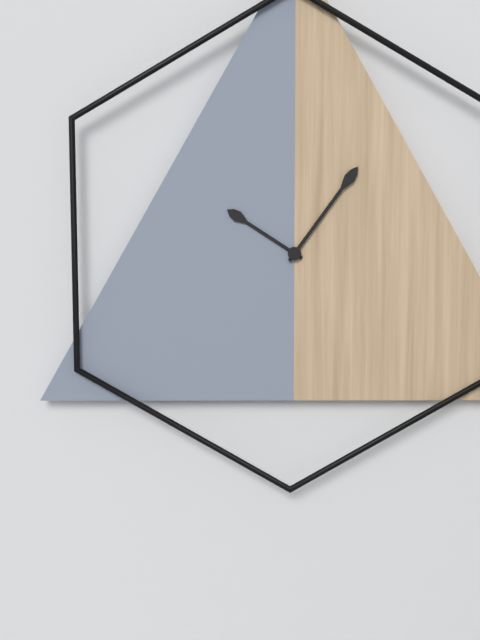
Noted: 10,06
